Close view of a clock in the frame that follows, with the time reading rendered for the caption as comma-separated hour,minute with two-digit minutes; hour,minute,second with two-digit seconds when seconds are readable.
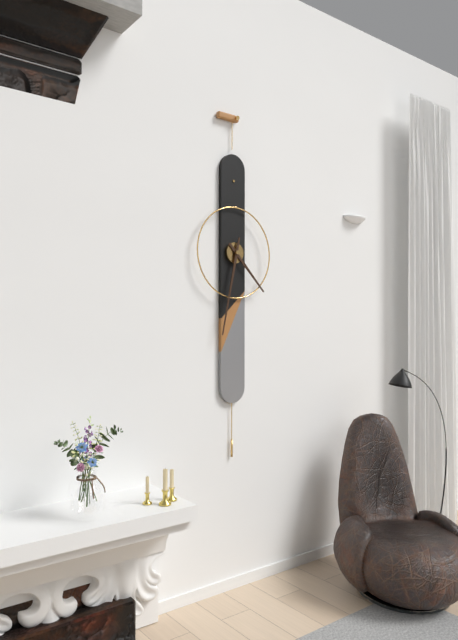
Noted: 4,32
